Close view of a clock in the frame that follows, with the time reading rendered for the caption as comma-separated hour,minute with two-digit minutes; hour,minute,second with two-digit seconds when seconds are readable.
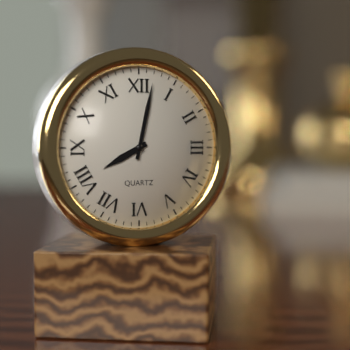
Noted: 8,02
